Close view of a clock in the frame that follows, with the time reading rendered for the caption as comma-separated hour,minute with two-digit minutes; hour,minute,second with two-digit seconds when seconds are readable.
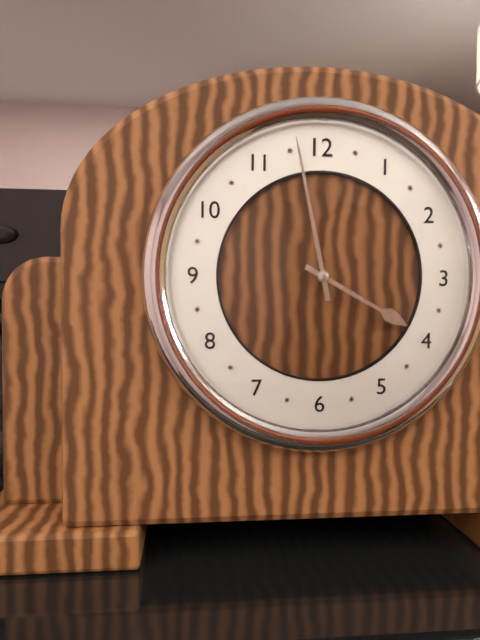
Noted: 3,58
